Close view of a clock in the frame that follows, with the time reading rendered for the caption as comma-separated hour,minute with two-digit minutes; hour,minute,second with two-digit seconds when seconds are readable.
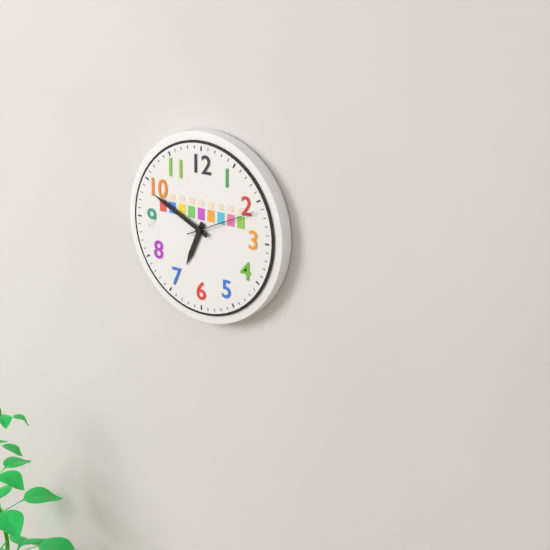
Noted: 6,49,11
